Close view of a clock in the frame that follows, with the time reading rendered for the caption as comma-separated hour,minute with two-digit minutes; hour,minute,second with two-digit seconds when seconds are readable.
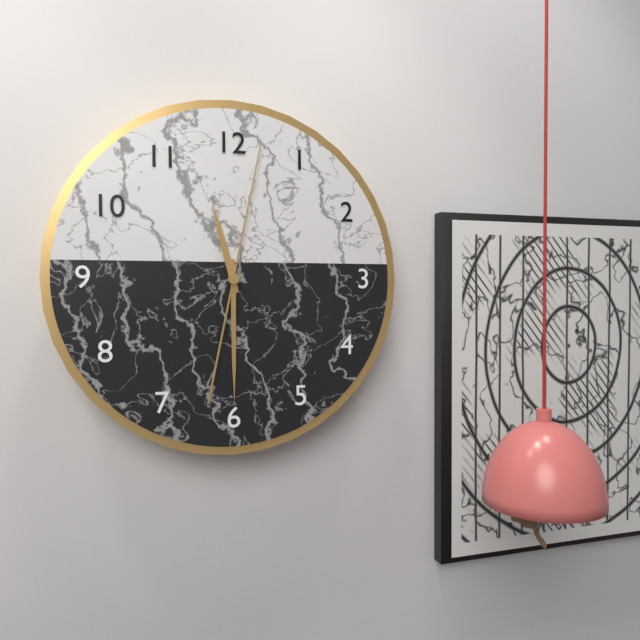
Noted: 11,30,02
